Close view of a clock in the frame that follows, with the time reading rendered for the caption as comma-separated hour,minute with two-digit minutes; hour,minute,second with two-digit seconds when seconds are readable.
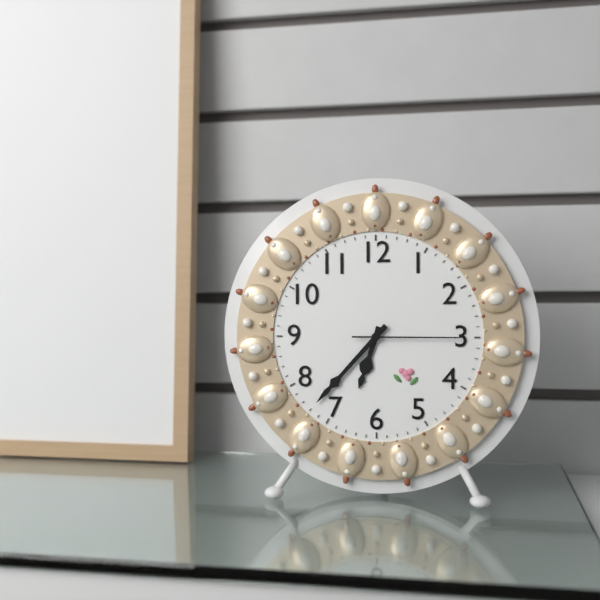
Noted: 6,37,15
